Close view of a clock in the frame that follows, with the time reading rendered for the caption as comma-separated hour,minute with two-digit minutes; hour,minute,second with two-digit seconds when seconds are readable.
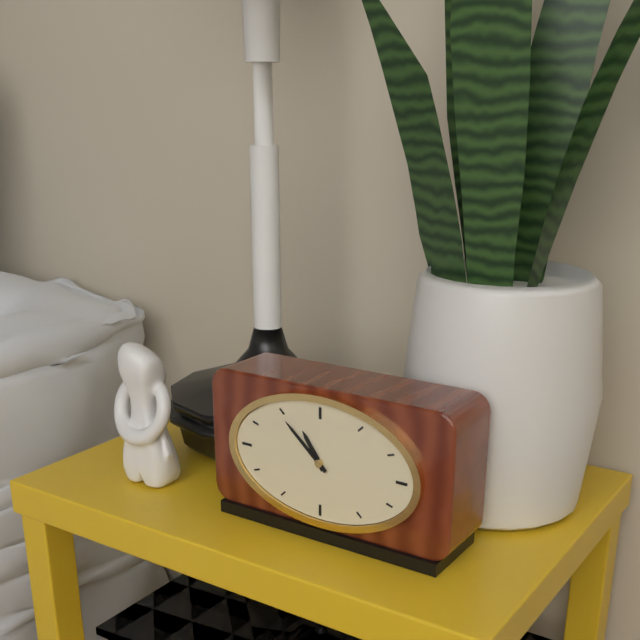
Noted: 10,52
